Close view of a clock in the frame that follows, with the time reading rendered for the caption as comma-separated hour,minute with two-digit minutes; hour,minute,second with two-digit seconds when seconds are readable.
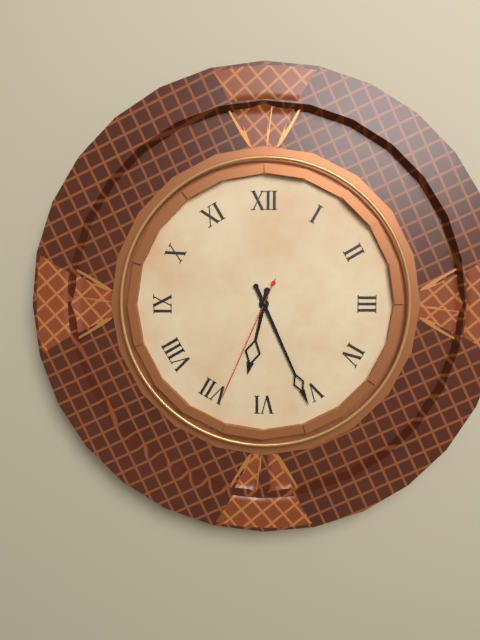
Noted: 6,26,34
